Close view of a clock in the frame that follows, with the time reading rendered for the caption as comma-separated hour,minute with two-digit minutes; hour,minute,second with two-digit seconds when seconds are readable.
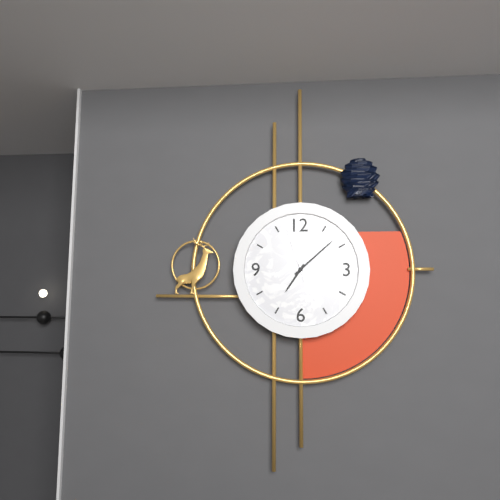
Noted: 7,08,57
